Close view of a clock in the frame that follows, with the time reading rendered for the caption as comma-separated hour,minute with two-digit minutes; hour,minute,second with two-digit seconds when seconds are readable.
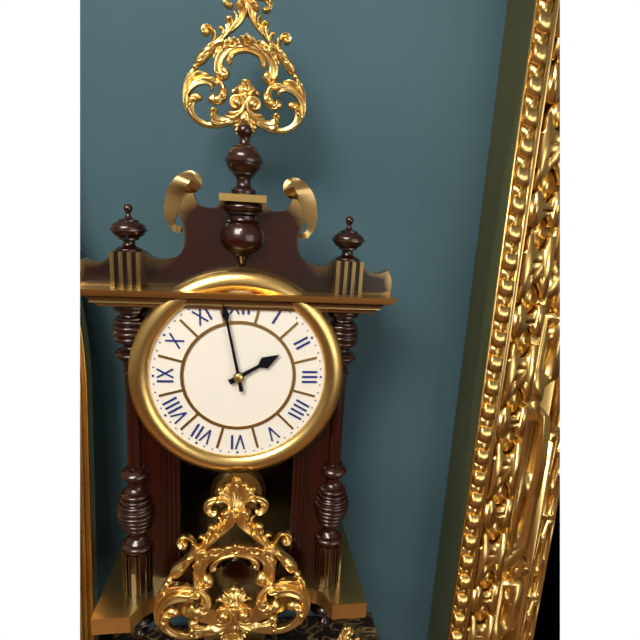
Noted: 1,58
